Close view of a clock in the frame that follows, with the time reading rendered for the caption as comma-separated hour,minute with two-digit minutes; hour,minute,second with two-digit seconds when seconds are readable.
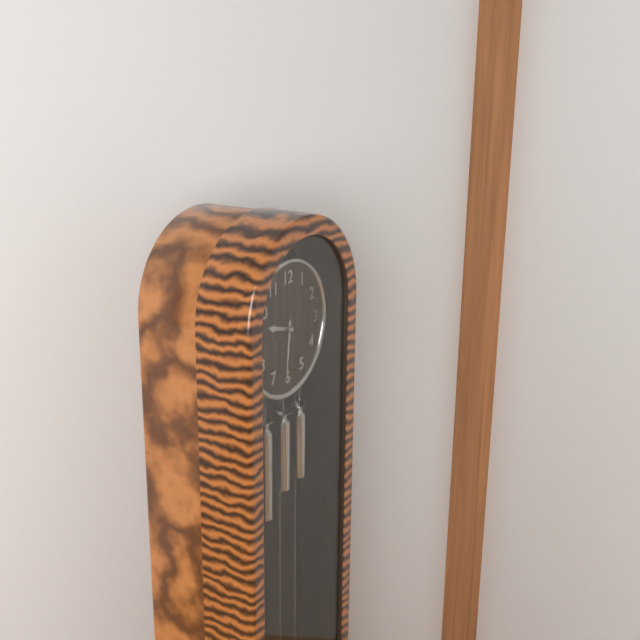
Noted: 9,31
